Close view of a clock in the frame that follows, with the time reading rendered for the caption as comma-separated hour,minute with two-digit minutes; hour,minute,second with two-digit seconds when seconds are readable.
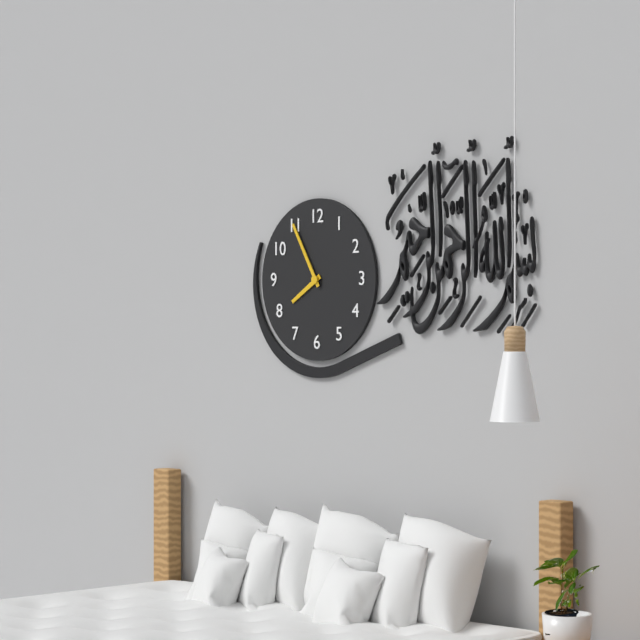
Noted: 7,55
